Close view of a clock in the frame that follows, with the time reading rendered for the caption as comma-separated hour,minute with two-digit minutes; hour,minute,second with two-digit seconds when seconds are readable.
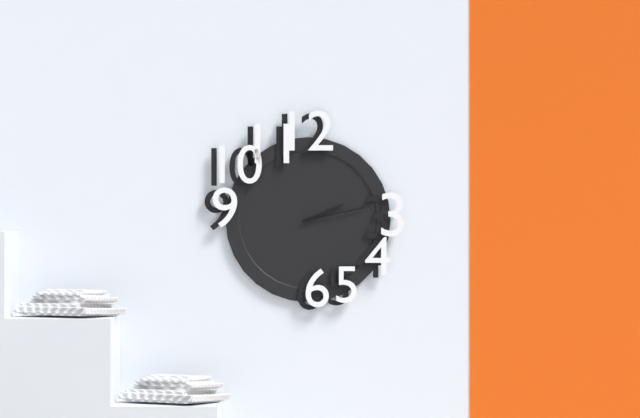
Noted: 2,13
